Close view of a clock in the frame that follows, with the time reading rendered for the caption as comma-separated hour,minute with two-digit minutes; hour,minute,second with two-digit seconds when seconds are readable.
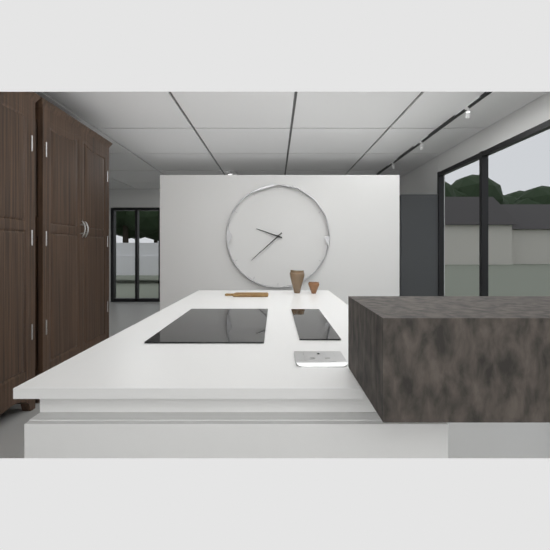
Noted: 9,38
